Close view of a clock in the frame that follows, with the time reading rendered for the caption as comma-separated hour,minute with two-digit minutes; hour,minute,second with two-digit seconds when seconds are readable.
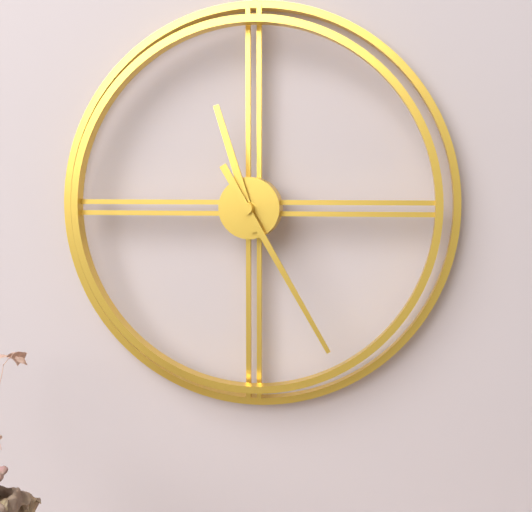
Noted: 11,25
